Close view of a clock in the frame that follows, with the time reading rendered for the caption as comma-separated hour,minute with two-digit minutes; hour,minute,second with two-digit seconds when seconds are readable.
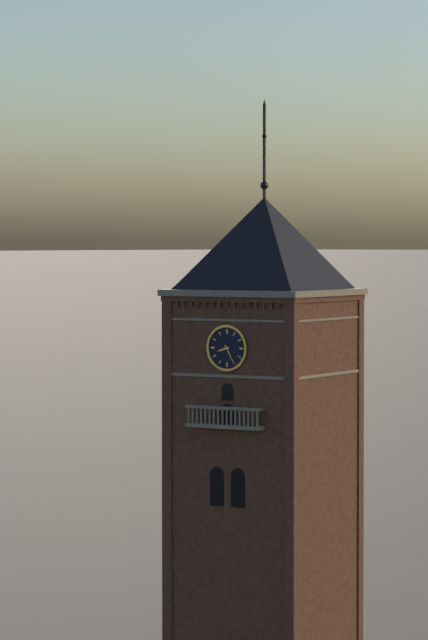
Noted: 8,25
